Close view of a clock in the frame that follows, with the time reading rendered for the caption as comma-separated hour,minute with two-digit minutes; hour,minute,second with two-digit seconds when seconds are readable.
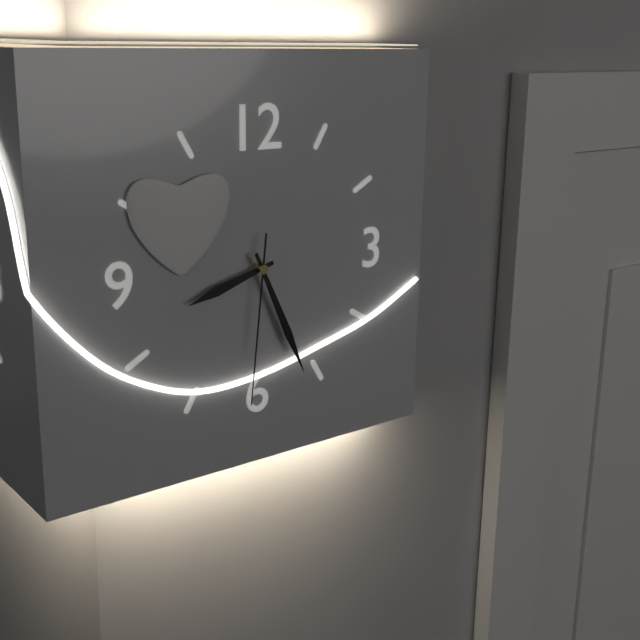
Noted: 8,26,31
